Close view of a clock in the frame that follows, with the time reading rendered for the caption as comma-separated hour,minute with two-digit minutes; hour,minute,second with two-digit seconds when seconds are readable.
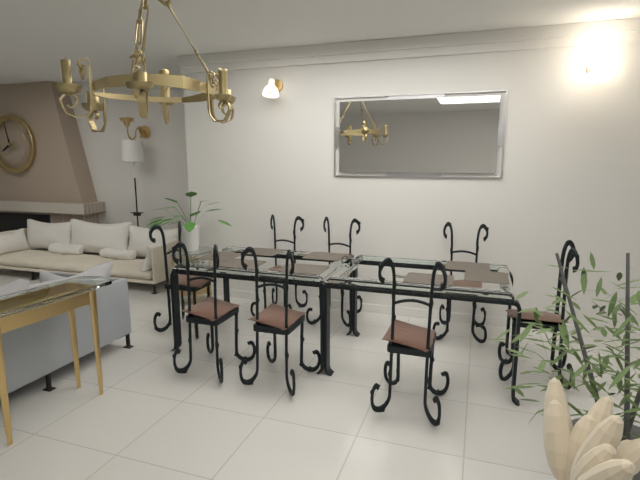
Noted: 7,58
